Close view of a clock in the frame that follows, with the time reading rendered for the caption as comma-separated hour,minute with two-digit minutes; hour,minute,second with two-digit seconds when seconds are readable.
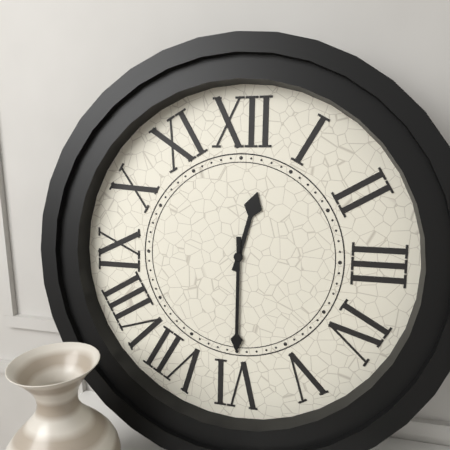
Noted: 12,30
